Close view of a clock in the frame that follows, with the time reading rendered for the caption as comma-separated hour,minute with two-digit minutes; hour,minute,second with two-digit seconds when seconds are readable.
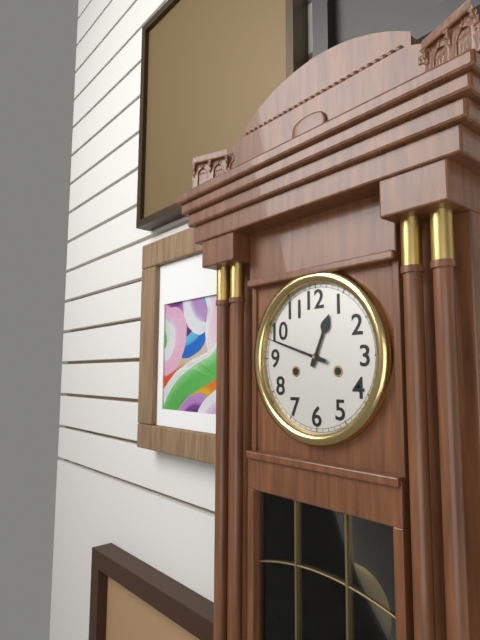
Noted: 12,48
